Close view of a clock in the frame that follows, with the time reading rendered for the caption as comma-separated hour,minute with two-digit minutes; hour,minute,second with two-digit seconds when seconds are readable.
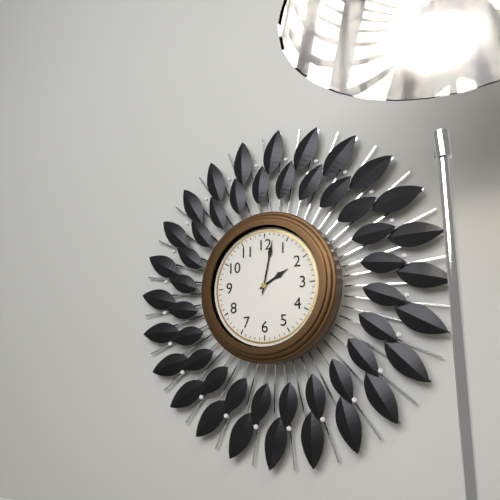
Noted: 2,02
